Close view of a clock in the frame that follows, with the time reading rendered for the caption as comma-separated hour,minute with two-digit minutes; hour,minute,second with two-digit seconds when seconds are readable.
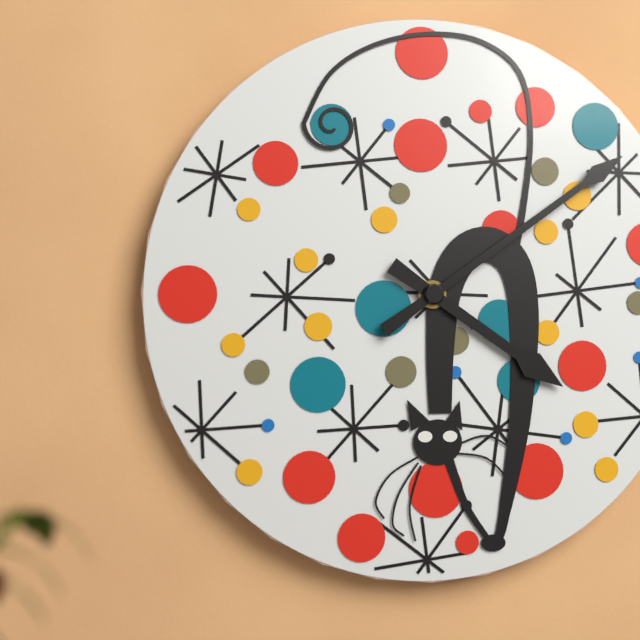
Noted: 4,09
